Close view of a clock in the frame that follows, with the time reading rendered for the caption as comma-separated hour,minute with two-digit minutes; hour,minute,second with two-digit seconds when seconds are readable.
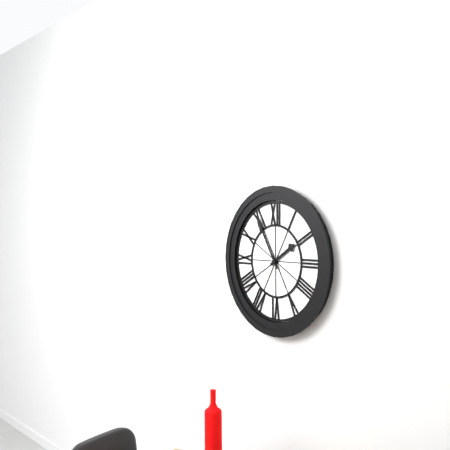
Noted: 1,55
